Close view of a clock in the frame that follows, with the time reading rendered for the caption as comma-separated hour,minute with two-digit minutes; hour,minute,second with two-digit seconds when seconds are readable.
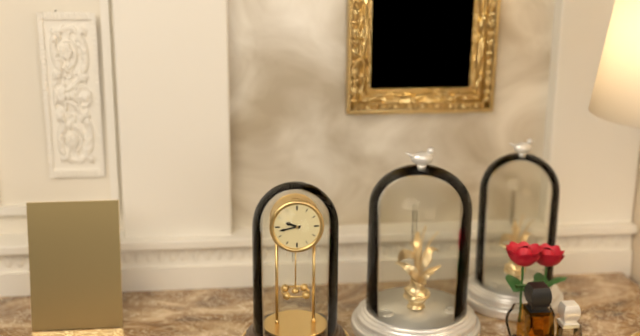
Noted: 9,43
